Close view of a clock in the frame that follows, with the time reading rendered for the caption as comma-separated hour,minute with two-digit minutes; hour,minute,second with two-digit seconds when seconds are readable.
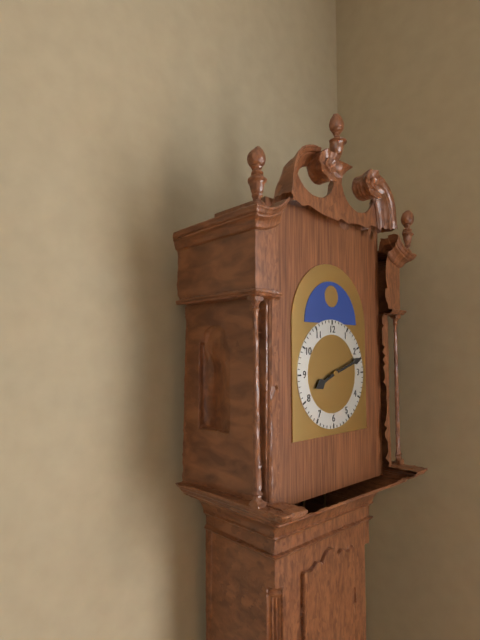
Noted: 8,12
